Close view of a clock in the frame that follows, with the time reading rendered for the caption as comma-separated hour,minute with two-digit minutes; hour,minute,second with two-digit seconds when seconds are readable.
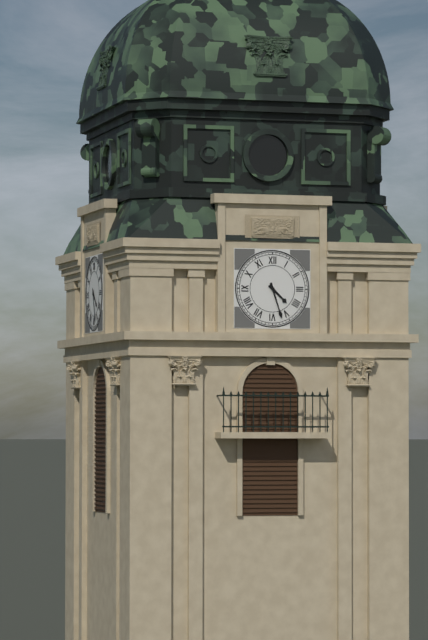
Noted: 4,27
